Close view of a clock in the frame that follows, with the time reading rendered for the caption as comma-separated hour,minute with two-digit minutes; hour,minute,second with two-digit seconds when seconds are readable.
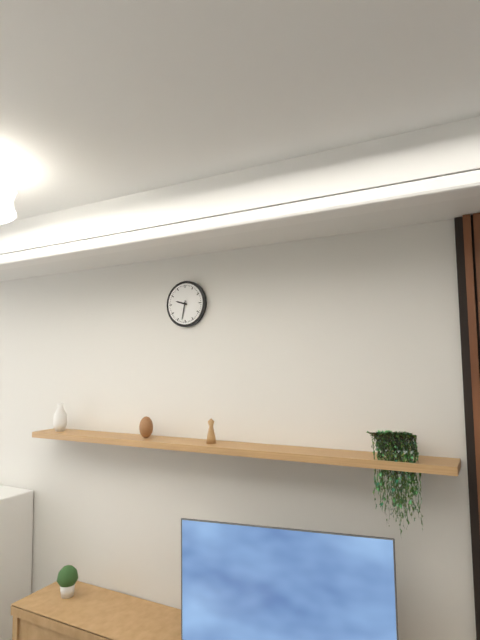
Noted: 9,32
